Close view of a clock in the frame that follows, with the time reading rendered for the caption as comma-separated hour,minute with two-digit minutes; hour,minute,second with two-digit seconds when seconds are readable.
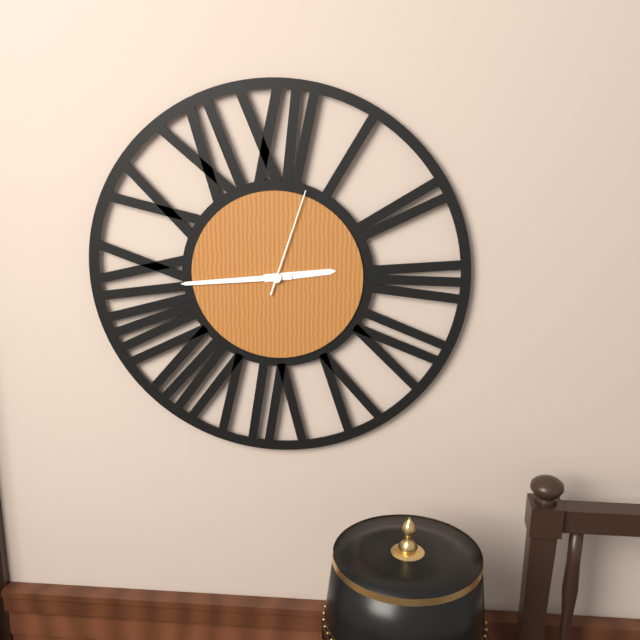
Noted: 2,44,03
